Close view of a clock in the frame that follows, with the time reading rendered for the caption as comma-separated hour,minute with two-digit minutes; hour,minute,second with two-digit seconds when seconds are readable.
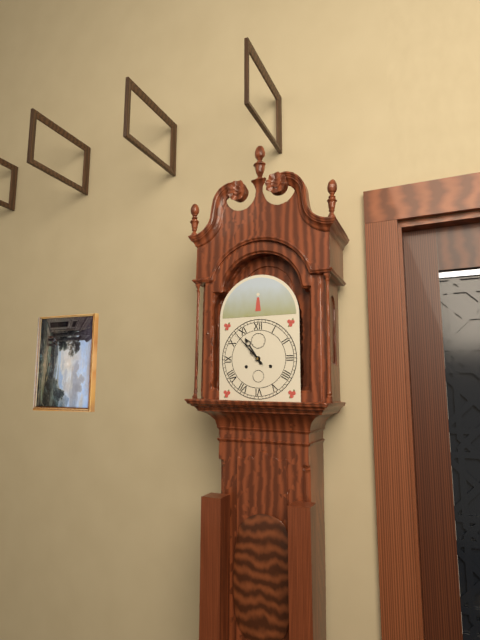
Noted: 10,53
